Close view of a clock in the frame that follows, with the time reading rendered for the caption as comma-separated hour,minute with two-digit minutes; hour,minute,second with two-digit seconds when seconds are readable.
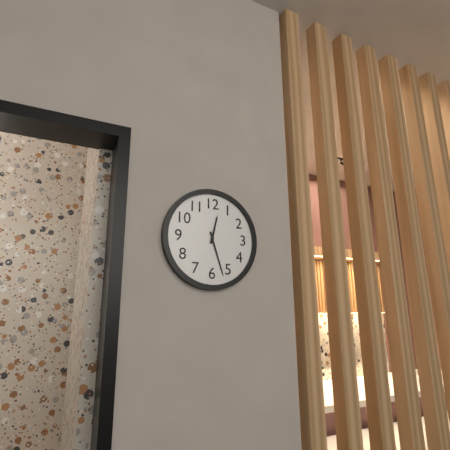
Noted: 12,27
